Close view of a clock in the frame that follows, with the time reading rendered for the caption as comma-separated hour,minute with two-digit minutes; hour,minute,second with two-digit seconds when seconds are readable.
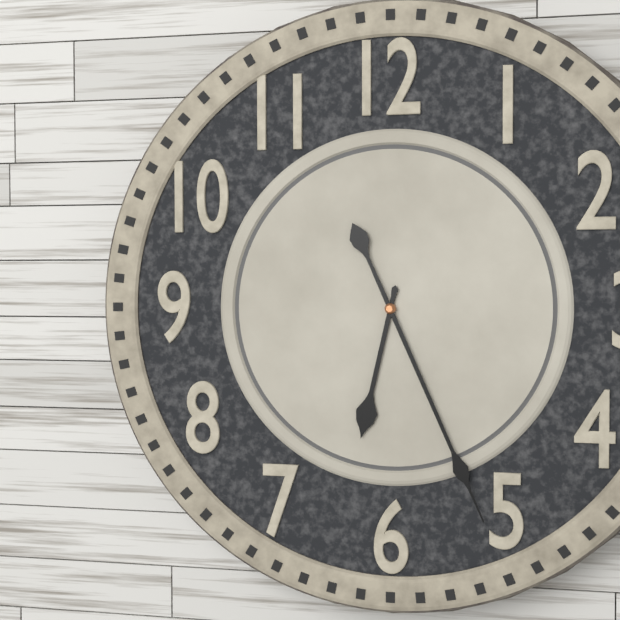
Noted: 6,26
